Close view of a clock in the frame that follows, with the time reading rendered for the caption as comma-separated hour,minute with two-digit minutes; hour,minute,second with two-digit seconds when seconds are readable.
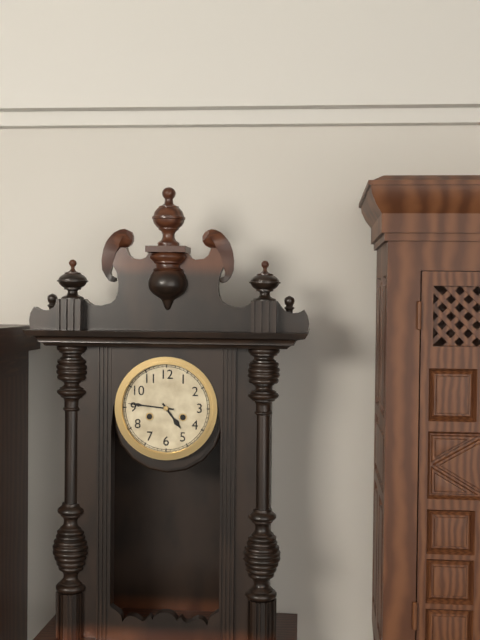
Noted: 4,46
